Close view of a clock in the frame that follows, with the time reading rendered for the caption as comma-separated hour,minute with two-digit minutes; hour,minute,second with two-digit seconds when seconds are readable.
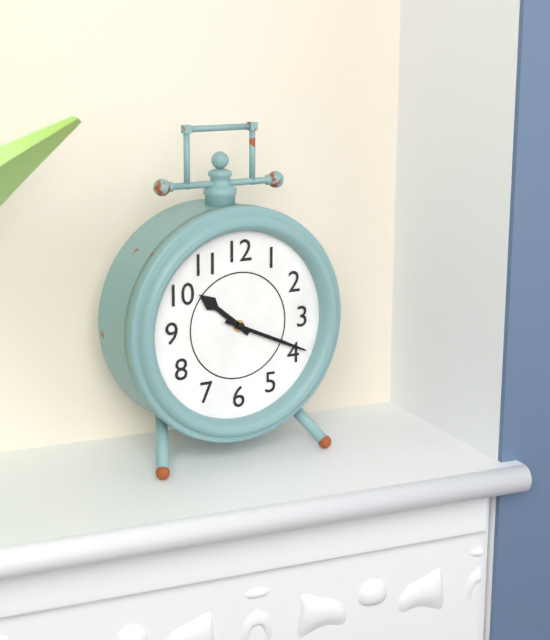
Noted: 10,19
